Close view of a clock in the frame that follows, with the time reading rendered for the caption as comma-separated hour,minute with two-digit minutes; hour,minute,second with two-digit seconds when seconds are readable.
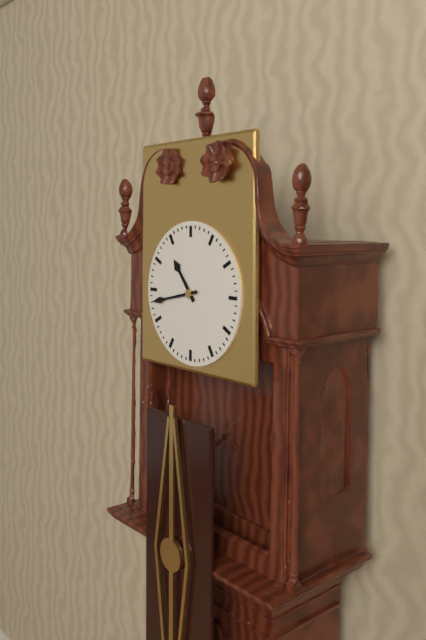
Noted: 10,43
